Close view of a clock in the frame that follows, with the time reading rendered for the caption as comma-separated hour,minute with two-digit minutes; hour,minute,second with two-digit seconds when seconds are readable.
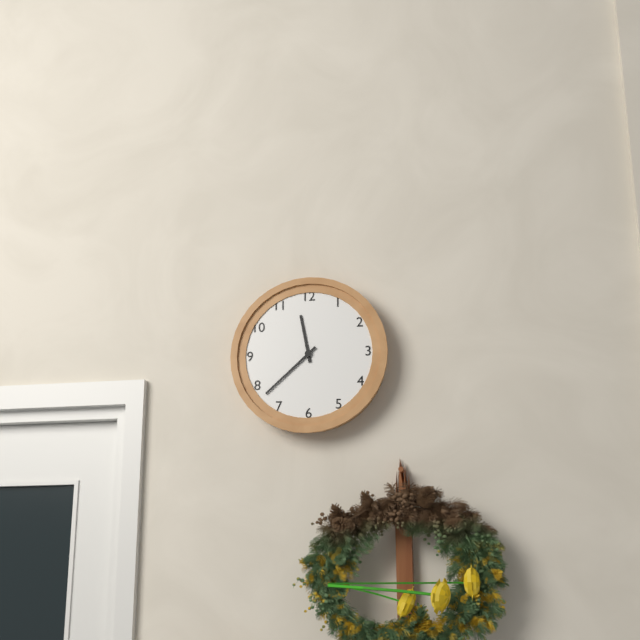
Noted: 11,38
